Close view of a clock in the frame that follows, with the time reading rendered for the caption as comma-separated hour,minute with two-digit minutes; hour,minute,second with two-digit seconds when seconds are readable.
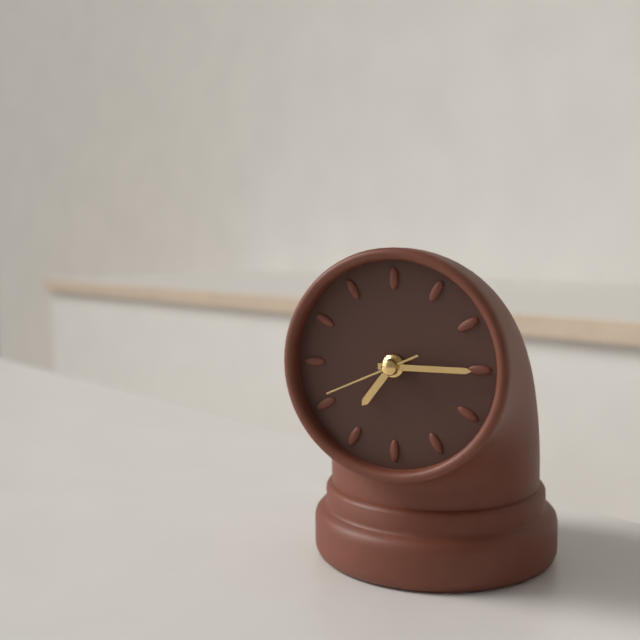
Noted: 7,15,41
